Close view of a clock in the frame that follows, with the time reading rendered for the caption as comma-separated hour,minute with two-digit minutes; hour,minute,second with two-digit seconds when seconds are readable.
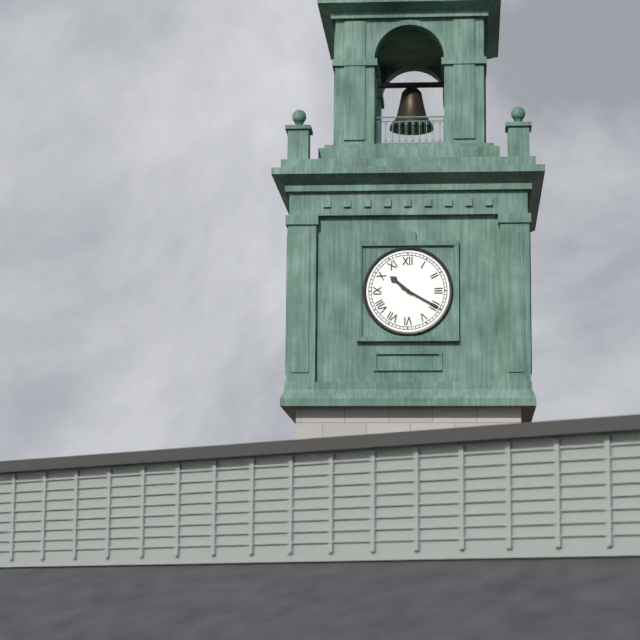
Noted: 10,20
